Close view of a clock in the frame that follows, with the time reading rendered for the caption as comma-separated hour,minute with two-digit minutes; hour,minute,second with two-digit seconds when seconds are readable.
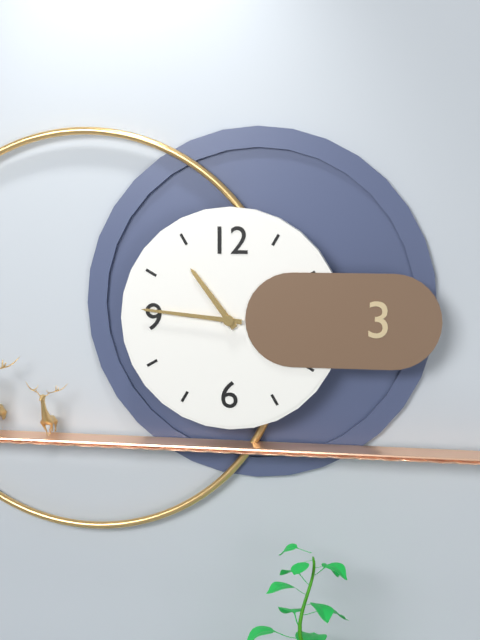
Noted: 10,46
